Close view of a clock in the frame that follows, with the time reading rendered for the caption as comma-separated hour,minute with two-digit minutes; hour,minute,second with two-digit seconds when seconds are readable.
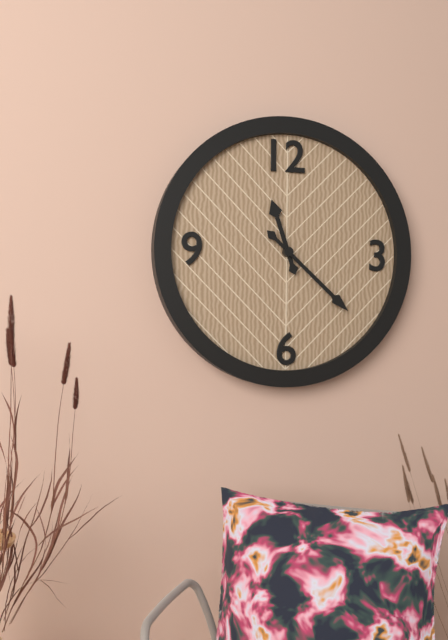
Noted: 11,22
